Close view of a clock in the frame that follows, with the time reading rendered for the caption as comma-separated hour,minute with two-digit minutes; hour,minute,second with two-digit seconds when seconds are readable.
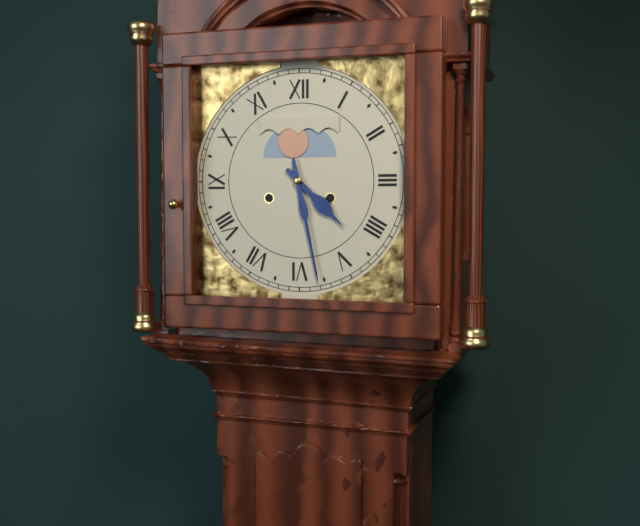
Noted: 4,28
